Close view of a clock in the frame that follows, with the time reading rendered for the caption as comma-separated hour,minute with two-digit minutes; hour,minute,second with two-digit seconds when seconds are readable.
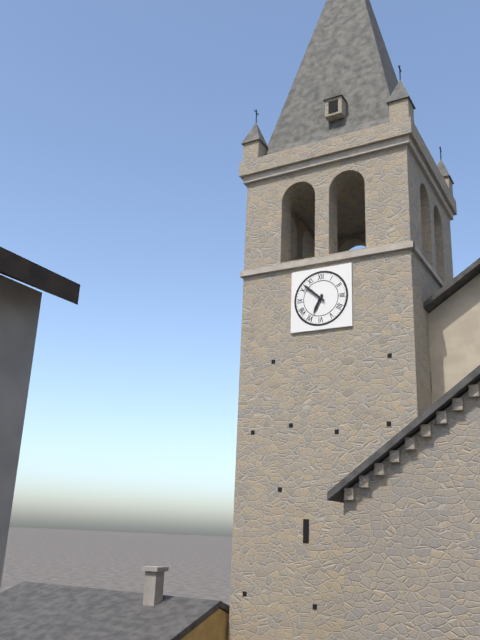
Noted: 6,52
